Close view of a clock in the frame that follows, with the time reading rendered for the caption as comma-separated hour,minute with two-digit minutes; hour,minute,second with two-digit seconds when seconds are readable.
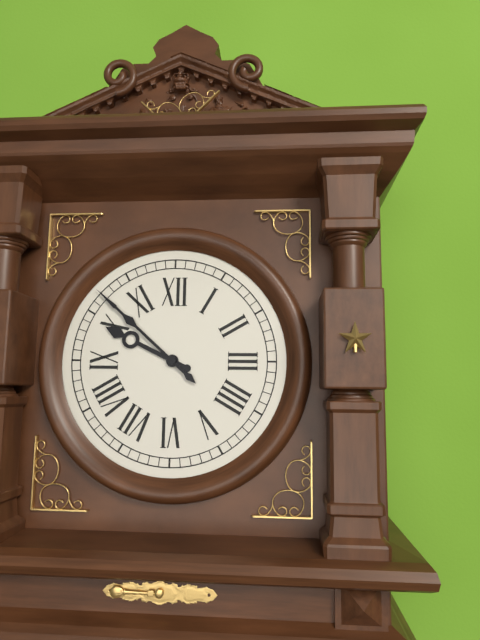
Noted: 9,52
